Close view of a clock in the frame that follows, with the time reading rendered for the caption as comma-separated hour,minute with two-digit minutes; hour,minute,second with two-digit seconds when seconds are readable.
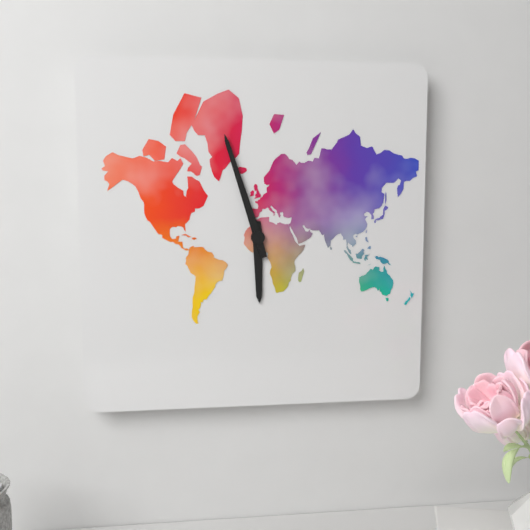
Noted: 5,57
